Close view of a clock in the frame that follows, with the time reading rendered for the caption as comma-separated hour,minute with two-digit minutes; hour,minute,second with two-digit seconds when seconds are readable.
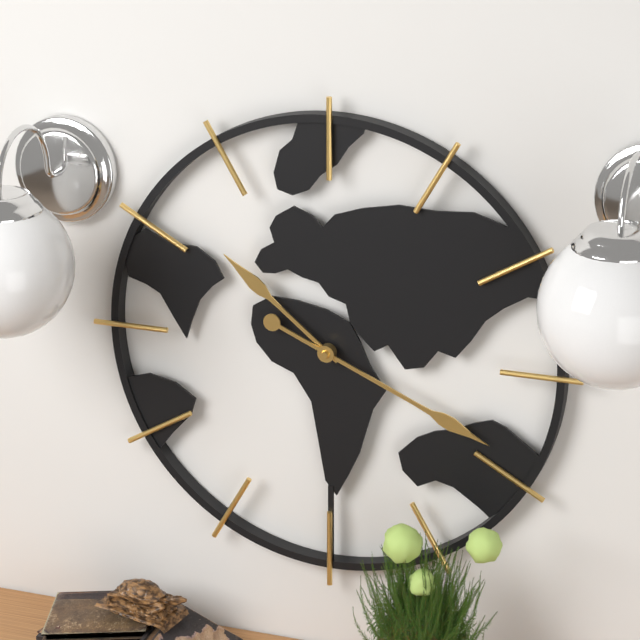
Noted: 10,19
